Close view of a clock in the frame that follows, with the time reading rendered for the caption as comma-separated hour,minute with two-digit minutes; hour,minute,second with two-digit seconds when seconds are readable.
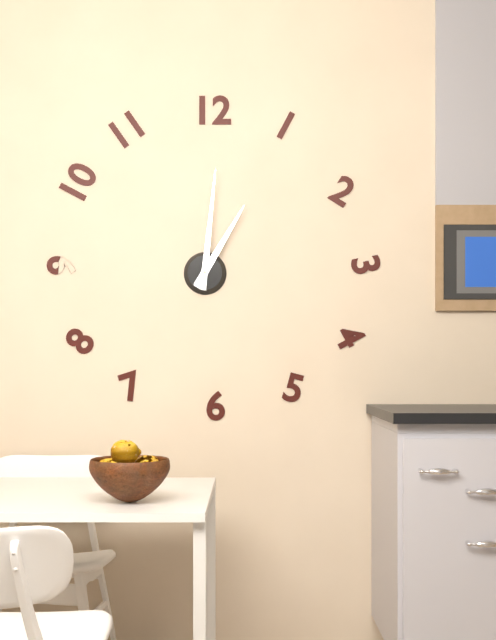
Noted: 1,01
